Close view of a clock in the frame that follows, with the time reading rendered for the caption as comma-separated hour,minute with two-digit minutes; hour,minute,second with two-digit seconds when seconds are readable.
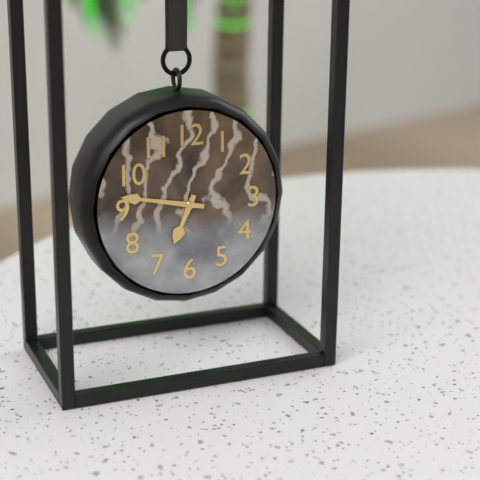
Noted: 6,47
